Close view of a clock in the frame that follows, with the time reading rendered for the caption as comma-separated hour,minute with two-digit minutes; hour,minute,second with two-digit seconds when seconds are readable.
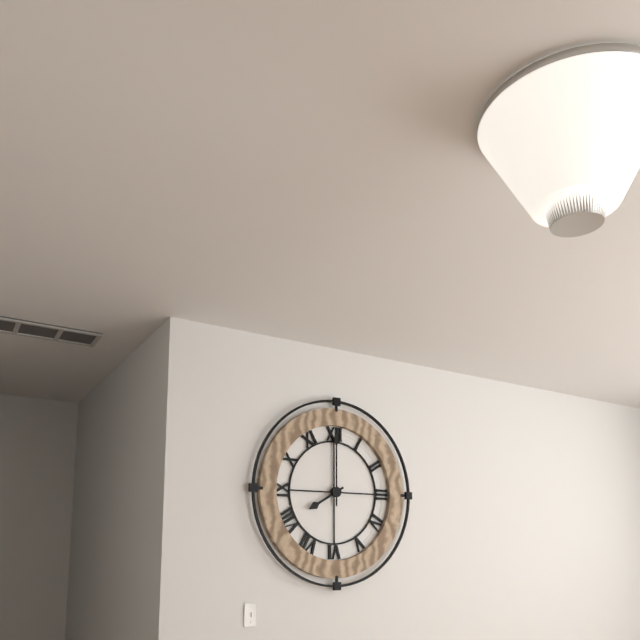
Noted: 8,00
